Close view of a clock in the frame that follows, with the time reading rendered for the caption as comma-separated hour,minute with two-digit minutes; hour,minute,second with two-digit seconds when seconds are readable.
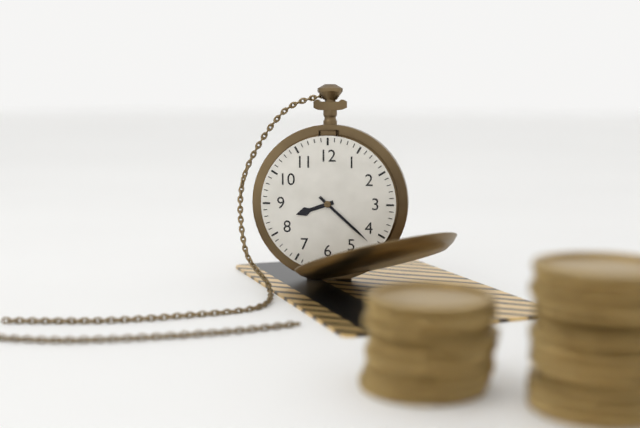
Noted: 8,22
